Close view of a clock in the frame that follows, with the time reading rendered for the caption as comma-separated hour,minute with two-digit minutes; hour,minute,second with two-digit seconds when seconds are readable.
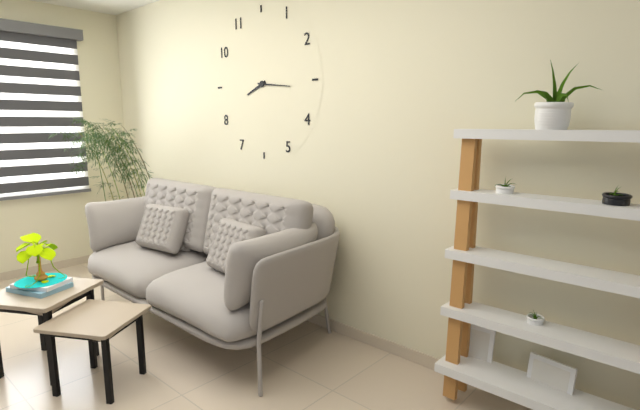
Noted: 8,16
